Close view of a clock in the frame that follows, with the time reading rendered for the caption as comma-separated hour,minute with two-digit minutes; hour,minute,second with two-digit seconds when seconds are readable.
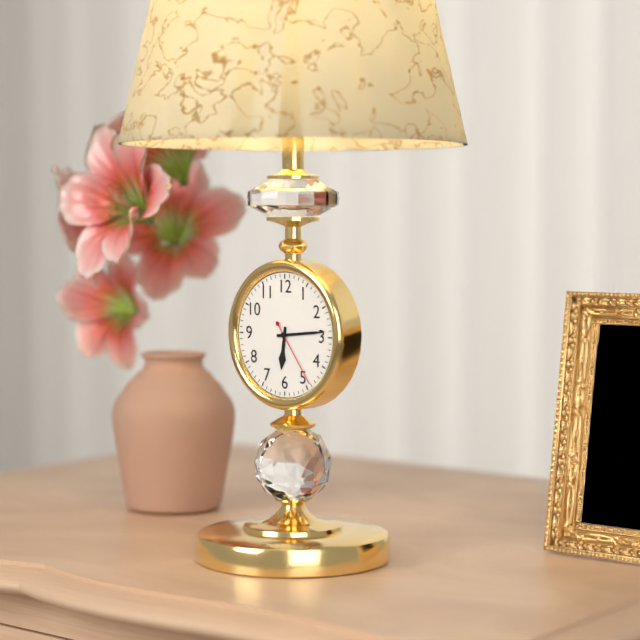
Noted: 6,14,24
